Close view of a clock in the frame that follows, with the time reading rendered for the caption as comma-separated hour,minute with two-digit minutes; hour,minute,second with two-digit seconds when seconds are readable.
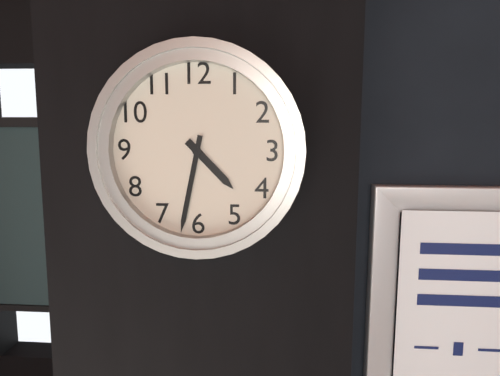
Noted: 4,32
